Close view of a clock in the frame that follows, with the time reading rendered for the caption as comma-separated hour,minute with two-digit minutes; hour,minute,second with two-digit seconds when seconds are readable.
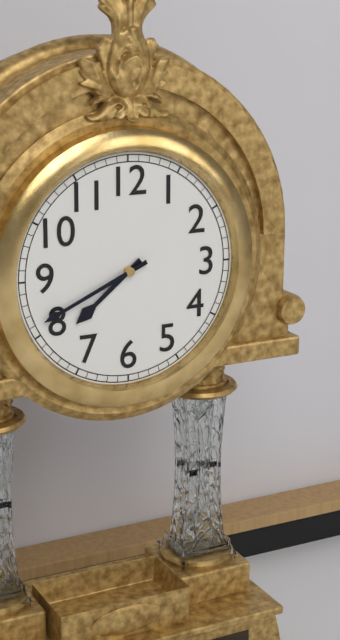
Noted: 7,41
